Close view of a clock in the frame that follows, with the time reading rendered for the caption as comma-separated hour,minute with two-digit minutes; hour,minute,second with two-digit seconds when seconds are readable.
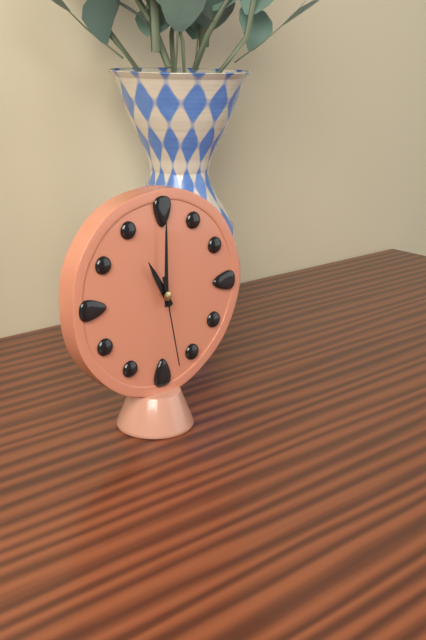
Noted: 11,00,28
